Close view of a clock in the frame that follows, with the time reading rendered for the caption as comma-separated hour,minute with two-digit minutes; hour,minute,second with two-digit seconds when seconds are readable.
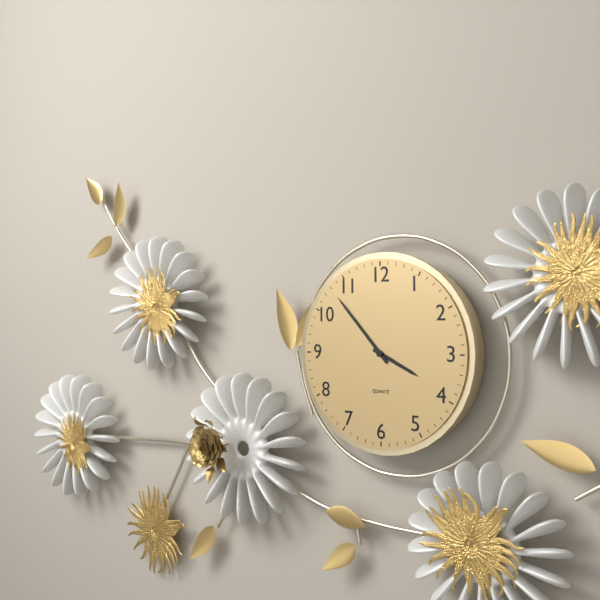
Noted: 3,53
